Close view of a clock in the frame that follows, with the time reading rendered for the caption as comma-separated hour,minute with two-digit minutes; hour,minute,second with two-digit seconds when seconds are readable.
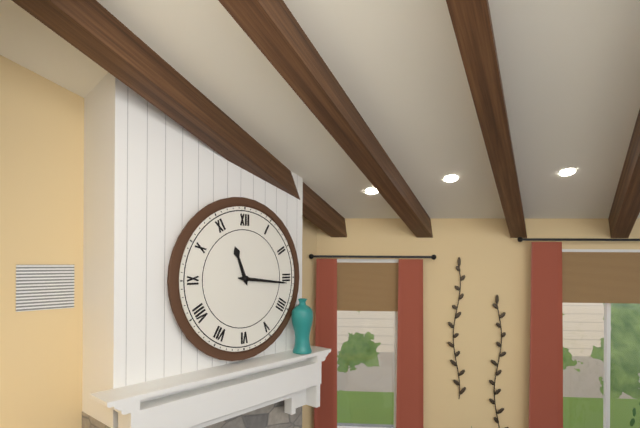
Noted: 11,16
